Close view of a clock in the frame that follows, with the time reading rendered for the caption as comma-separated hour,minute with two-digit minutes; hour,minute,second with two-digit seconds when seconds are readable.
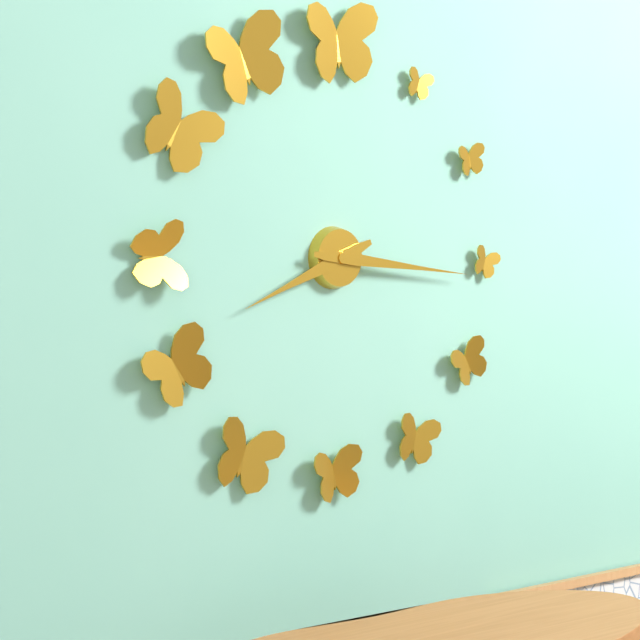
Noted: 8,16
